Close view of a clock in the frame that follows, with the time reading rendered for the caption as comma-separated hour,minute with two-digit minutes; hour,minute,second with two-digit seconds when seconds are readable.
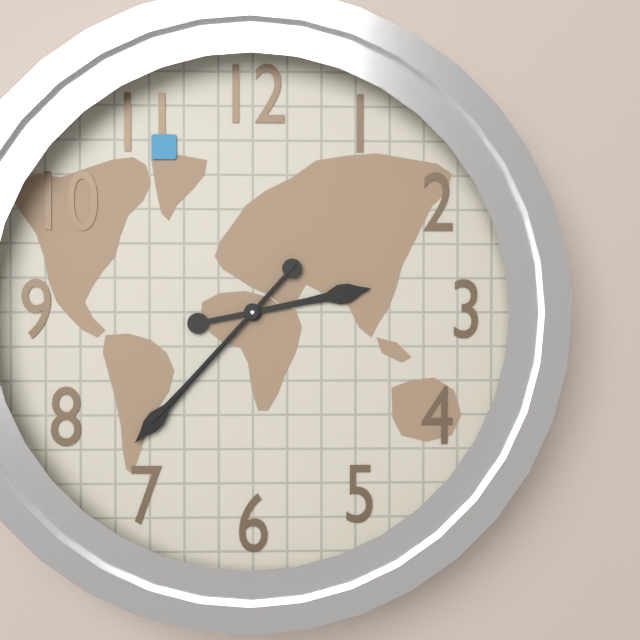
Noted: 2,37,37
